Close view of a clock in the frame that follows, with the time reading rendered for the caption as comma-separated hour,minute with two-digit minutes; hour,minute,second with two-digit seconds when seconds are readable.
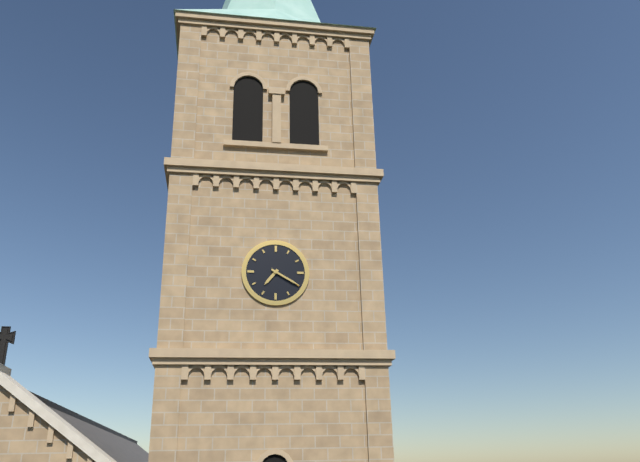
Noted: 7,20
